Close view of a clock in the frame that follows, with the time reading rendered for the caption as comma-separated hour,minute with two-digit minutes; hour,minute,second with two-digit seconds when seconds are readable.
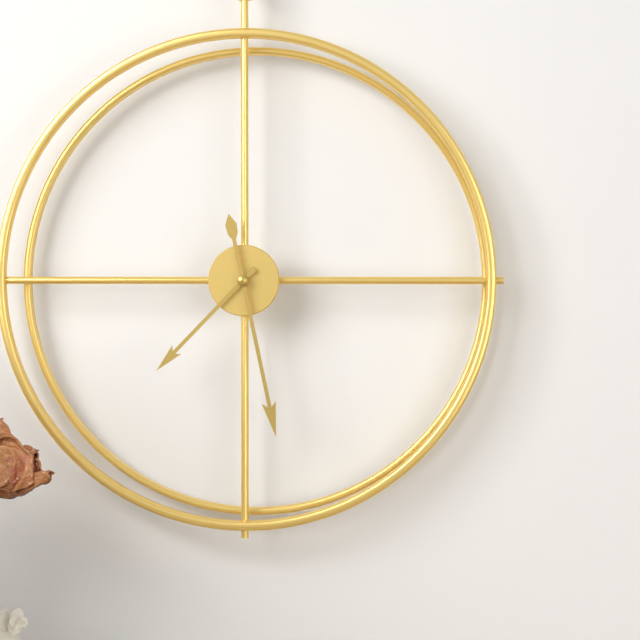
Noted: 7,28
